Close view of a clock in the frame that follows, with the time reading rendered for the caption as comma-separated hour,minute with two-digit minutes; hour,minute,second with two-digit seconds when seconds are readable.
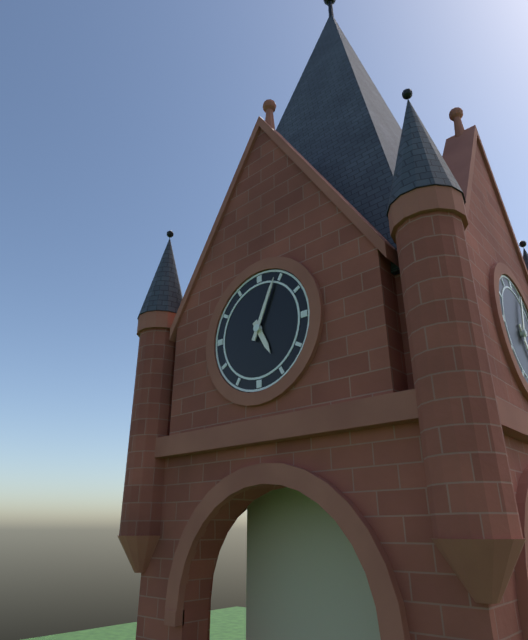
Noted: 5,04
